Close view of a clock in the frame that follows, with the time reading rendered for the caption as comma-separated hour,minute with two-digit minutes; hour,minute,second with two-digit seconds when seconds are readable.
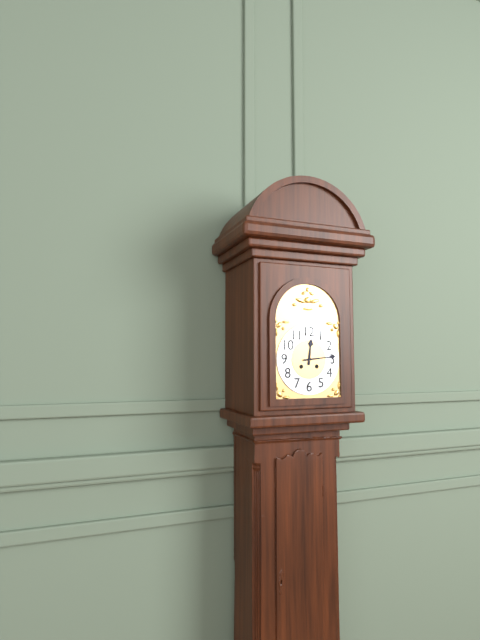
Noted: 12,14
